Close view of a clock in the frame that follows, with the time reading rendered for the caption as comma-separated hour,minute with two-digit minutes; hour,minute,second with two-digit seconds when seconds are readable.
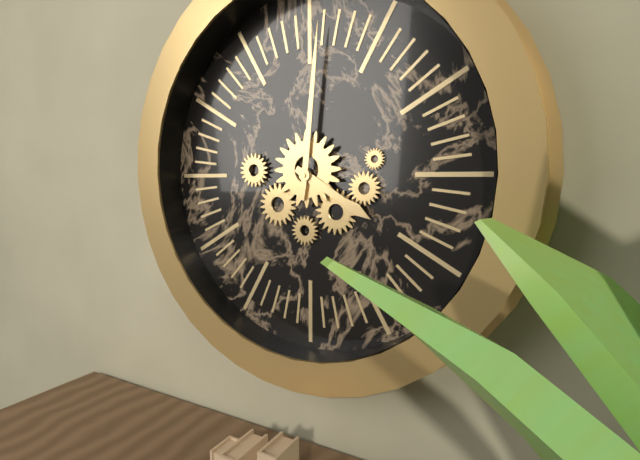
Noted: 4,01
